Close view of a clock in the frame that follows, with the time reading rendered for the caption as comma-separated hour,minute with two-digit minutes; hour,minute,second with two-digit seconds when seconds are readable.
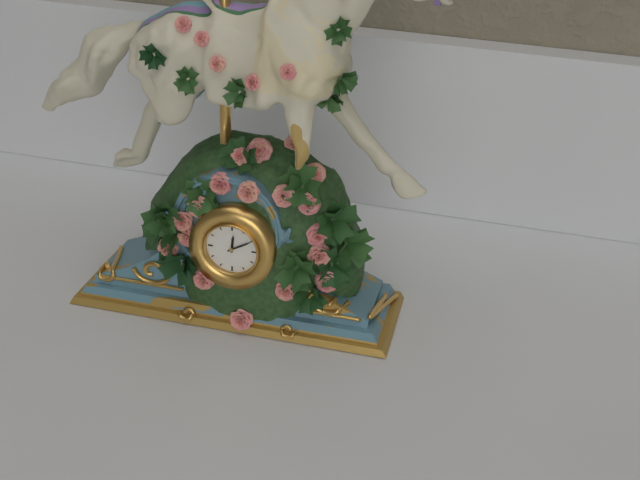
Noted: 12,10
